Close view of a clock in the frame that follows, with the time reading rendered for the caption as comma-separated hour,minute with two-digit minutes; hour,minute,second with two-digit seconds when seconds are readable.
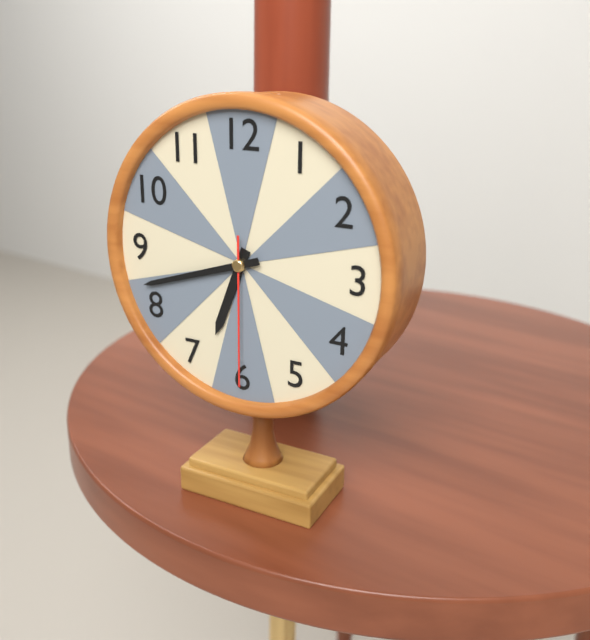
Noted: 6,42,30
